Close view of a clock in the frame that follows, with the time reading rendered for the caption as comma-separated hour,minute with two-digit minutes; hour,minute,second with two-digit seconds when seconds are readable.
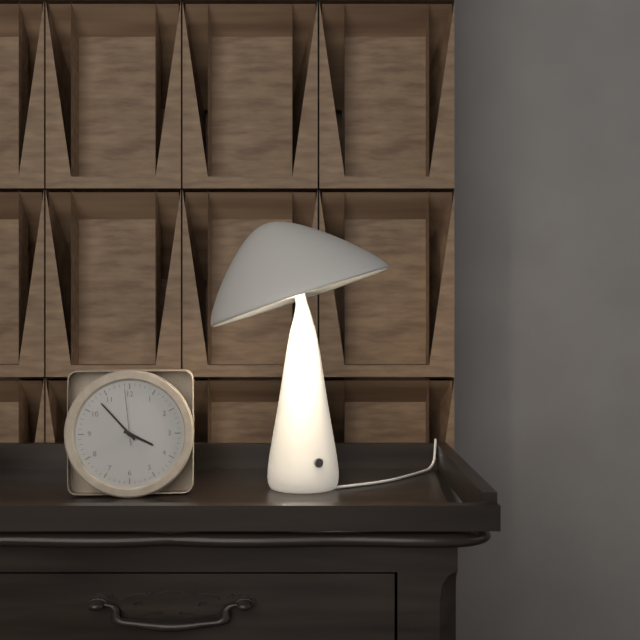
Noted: 3,53,59
